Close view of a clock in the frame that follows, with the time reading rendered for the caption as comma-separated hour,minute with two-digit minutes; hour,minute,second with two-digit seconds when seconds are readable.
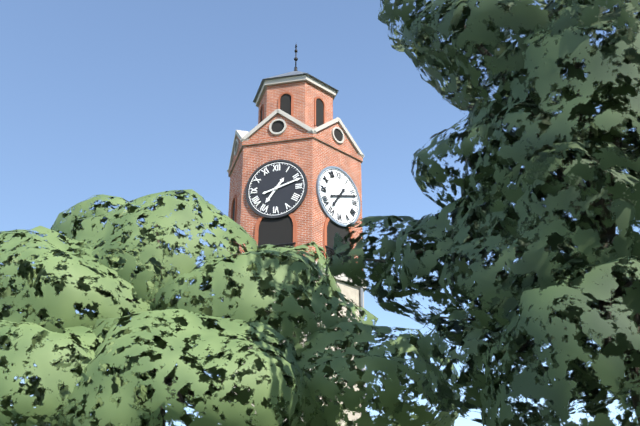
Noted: 7,12
